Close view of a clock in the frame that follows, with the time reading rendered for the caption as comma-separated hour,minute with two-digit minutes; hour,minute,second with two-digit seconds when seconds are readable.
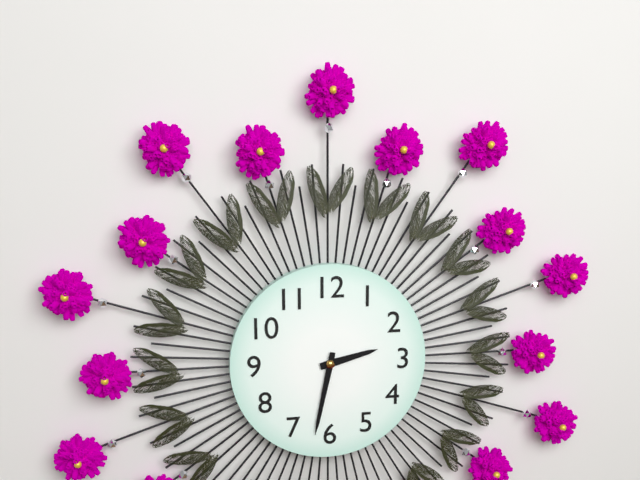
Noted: 2,32
